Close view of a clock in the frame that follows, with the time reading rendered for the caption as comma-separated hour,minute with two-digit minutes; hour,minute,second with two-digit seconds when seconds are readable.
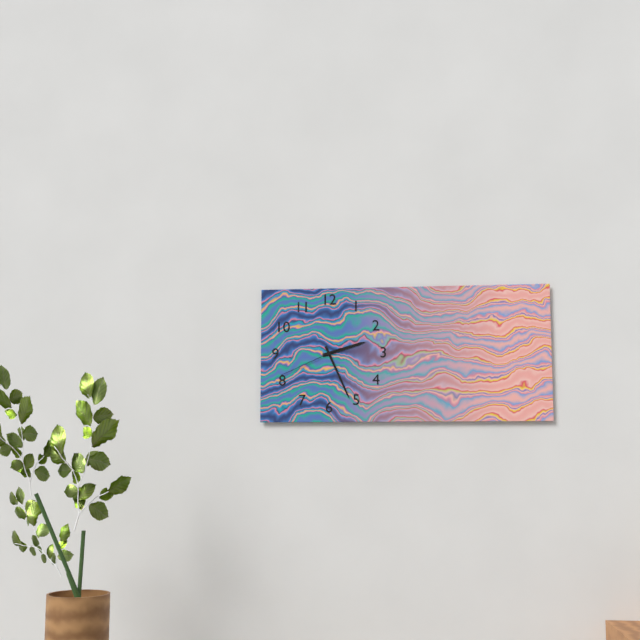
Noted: 2,26,41
